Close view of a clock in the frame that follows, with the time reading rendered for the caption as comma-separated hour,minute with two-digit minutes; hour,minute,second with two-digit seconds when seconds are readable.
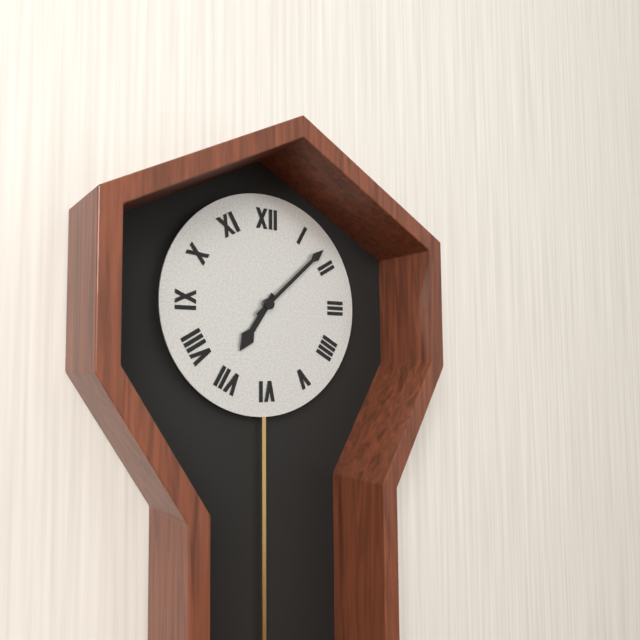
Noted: 7,08
